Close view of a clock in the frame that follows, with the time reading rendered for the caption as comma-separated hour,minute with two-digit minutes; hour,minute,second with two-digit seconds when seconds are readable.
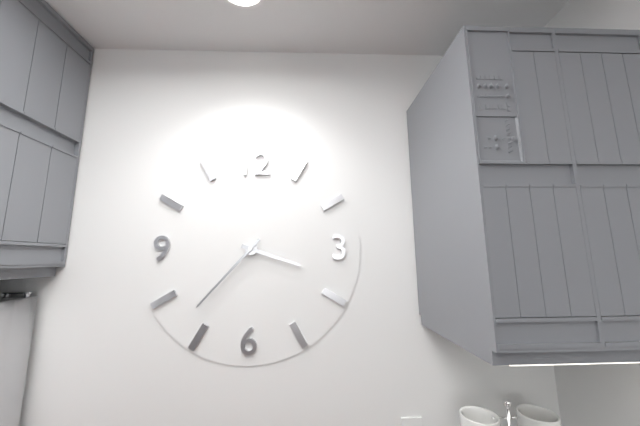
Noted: 3,37
